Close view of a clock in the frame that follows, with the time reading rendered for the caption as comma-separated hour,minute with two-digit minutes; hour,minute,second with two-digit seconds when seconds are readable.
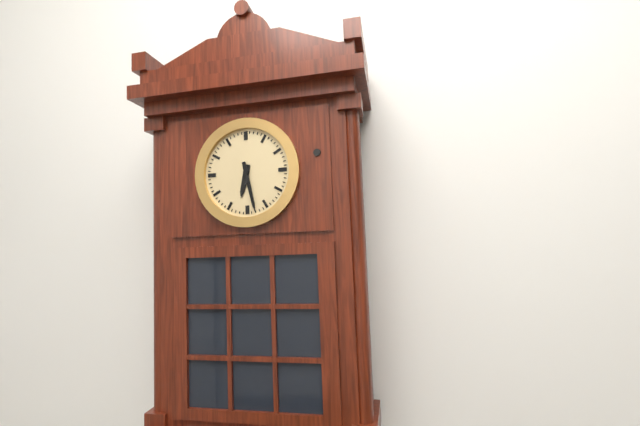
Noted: 6,28
